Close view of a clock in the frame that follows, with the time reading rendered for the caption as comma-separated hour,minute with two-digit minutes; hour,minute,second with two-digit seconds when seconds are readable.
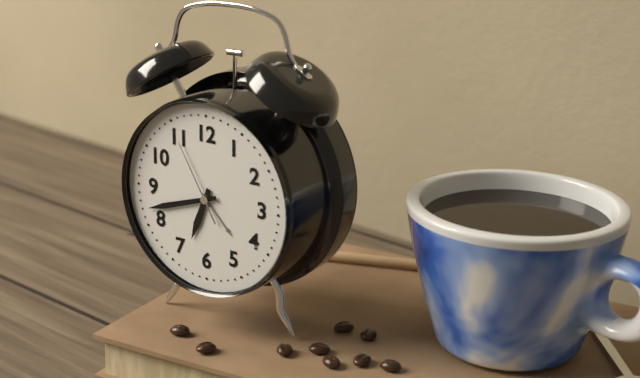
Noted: 6,42,55
